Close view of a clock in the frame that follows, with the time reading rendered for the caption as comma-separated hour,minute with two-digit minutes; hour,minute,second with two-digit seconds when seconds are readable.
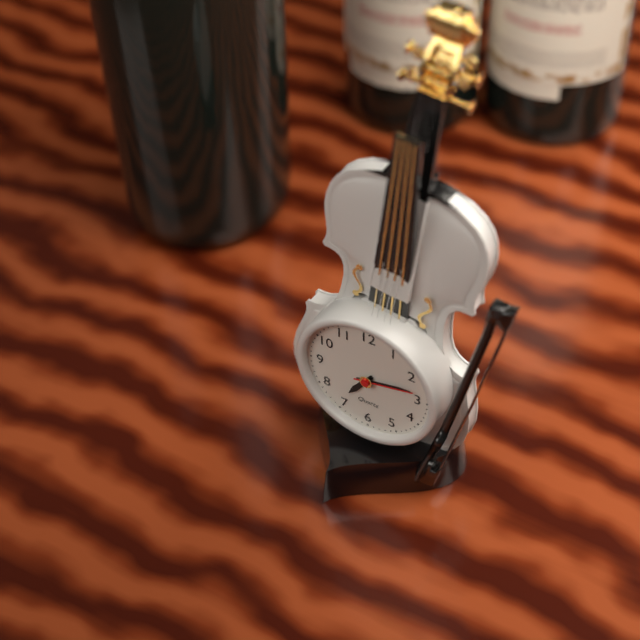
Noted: 7,13,13
